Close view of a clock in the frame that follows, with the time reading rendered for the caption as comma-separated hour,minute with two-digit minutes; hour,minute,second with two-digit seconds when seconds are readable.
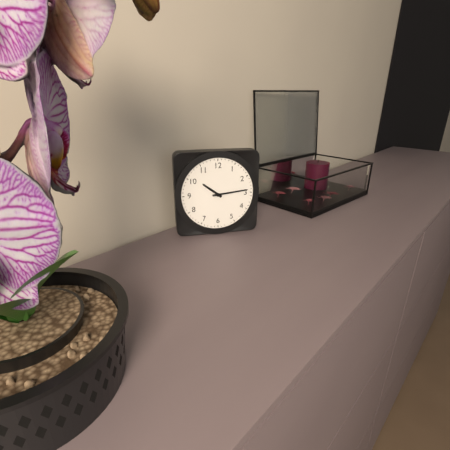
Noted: 10,14
